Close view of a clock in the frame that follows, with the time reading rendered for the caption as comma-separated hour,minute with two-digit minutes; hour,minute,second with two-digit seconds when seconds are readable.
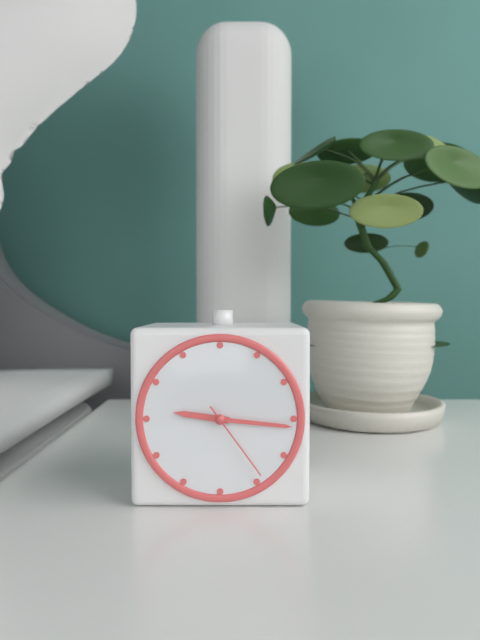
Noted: 9,16,24
